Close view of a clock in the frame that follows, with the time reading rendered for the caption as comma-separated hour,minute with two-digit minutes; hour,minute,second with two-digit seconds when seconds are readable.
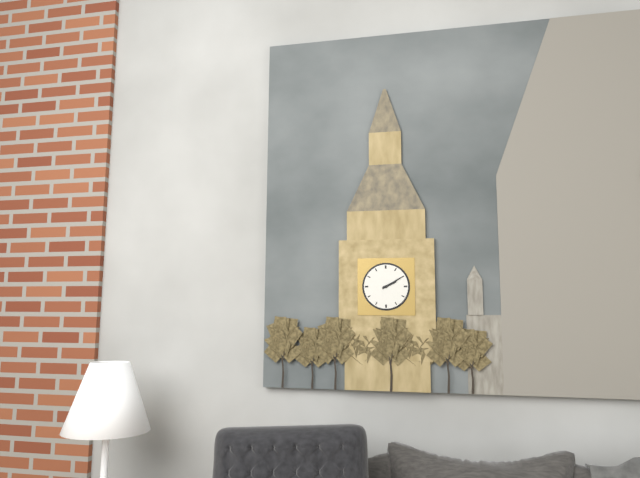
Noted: 2,10
